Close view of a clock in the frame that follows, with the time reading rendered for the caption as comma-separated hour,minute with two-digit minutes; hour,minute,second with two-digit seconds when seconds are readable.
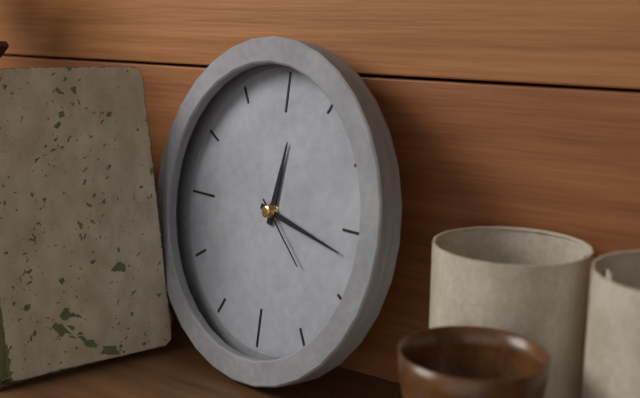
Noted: 12,17,22
